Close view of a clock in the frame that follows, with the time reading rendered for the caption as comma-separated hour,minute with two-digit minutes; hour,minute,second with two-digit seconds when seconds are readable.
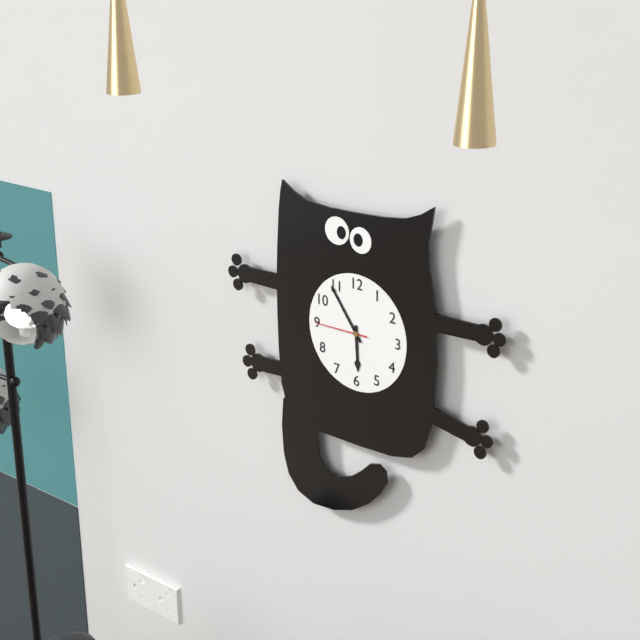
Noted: 5,54,45
